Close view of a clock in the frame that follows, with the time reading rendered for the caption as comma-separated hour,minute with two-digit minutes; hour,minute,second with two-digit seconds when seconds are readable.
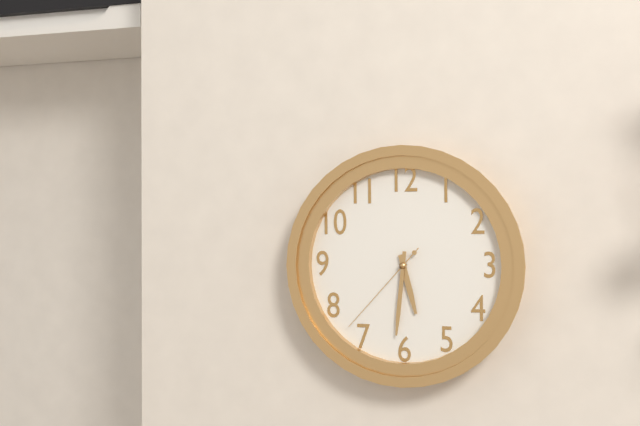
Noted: 5,31,37
